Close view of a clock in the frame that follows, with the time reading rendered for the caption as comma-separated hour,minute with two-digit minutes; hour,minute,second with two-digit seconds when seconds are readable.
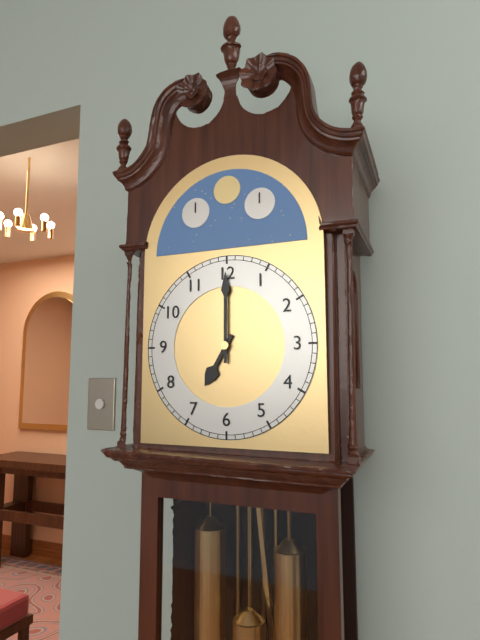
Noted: 7,00
